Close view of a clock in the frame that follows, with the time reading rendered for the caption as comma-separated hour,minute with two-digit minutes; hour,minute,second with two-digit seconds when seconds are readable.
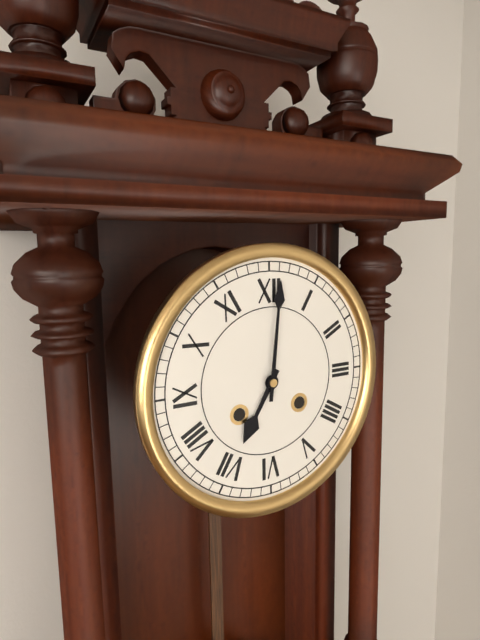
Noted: 7,01
